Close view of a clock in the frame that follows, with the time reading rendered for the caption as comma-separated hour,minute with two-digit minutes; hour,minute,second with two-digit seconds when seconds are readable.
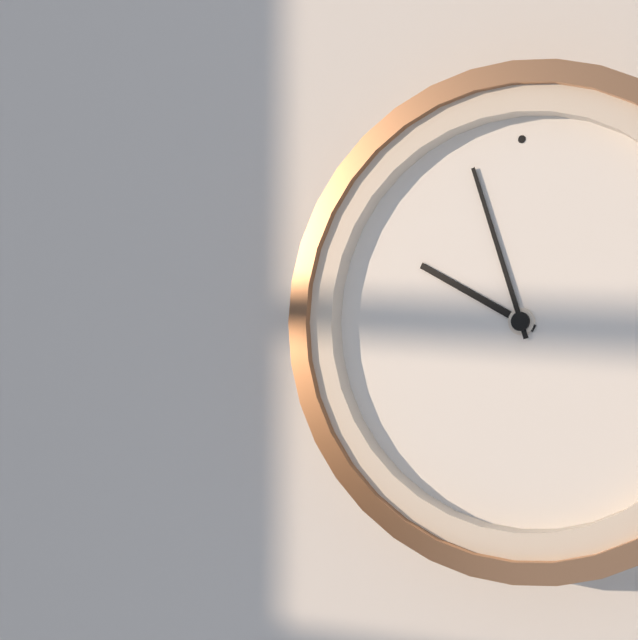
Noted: 9,57
